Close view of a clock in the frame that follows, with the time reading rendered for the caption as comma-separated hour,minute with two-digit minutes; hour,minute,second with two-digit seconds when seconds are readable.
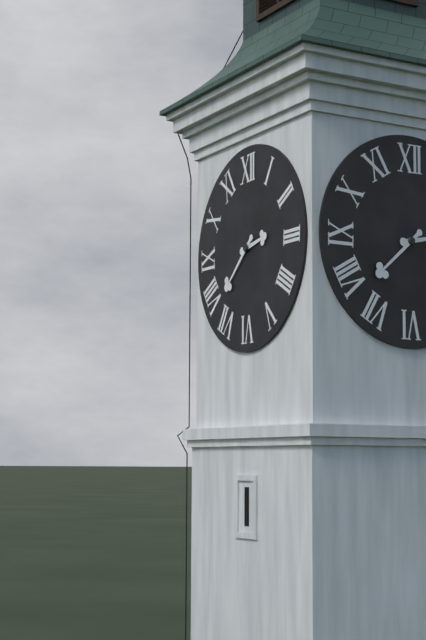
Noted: 2,38
